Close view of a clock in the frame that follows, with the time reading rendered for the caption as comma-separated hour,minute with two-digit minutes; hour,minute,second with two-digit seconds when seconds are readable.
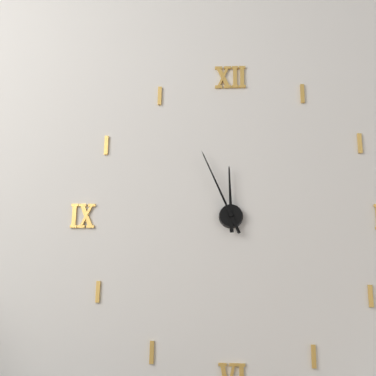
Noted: 11,56
